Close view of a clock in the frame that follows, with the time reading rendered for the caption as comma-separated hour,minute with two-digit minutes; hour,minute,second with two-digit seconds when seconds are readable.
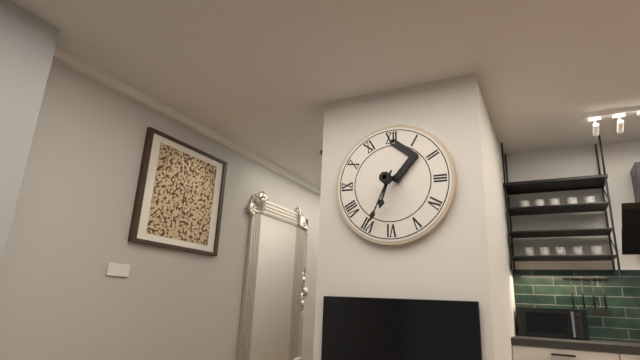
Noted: 6,34
